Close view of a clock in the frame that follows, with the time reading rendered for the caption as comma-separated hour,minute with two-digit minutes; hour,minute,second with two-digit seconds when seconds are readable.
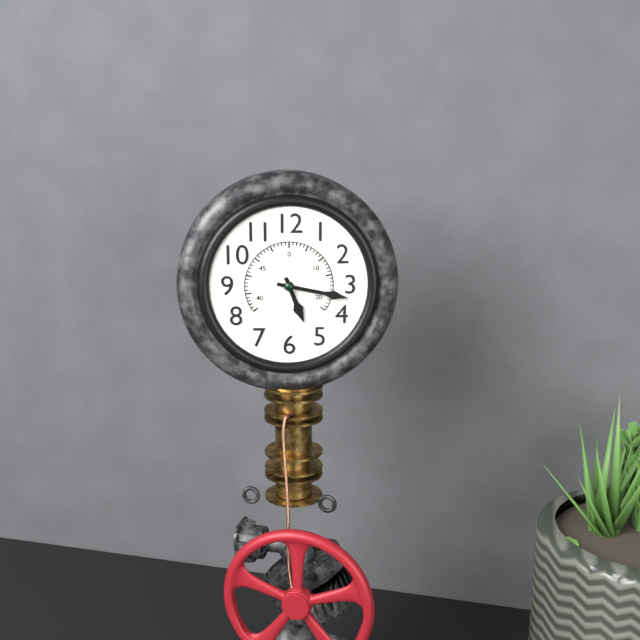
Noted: 5,17
